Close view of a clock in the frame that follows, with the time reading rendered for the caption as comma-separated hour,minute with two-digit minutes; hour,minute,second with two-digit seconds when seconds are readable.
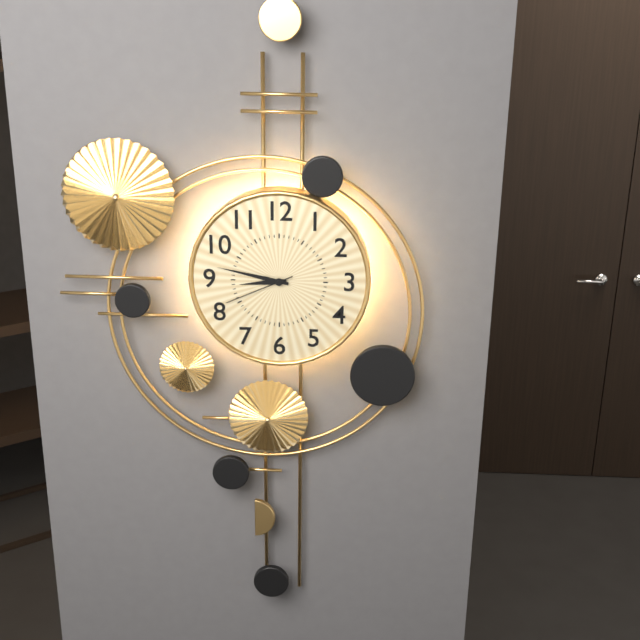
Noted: 8,47,41
